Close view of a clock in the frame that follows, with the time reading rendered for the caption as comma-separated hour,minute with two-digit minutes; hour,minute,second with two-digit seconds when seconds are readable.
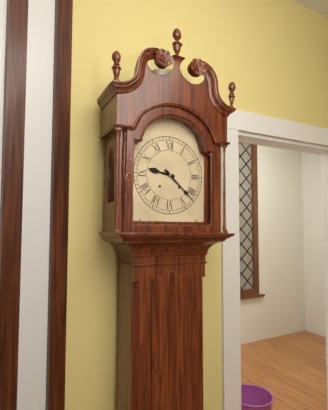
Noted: 9,22
